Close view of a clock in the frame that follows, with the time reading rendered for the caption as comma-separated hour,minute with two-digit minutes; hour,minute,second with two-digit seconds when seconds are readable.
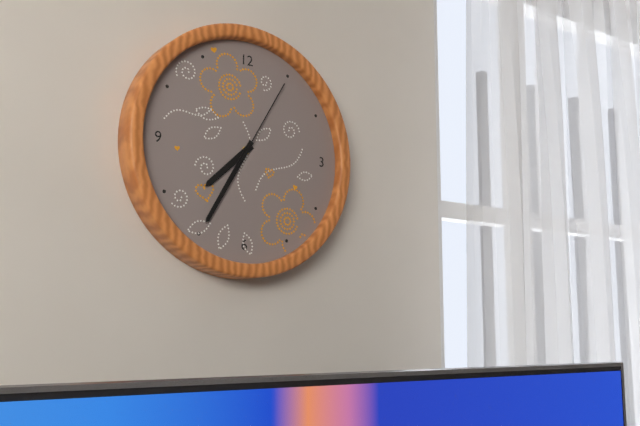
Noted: 7,35,05
